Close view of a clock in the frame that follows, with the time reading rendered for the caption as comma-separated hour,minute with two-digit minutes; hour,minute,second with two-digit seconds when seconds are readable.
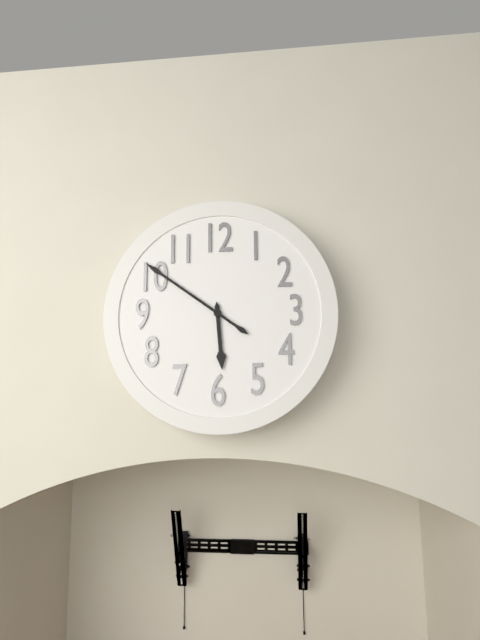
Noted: 5,51
